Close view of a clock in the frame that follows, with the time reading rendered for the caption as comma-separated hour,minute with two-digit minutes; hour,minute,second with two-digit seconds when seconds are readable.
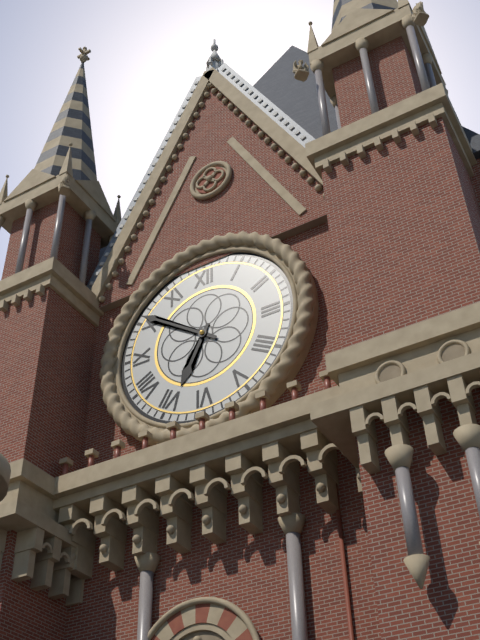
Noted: 6,51
